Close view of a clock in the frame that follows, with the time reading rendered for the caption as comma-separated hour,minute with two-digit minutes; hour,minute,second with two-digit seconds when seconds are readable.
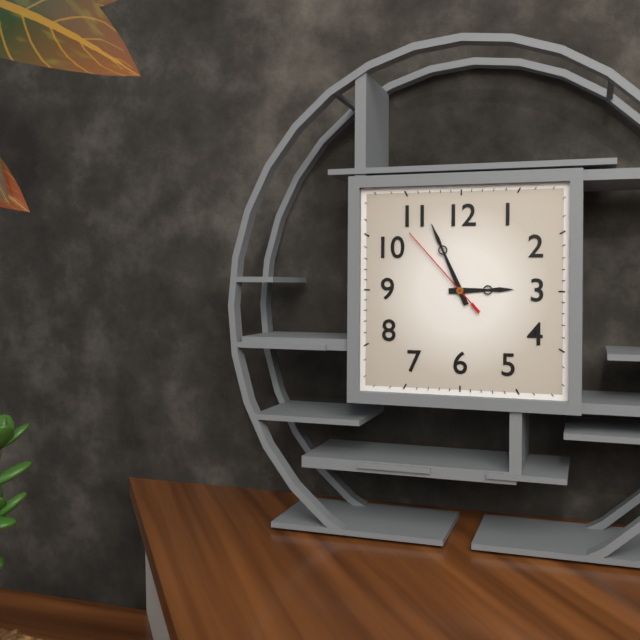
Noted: 2,56,53
